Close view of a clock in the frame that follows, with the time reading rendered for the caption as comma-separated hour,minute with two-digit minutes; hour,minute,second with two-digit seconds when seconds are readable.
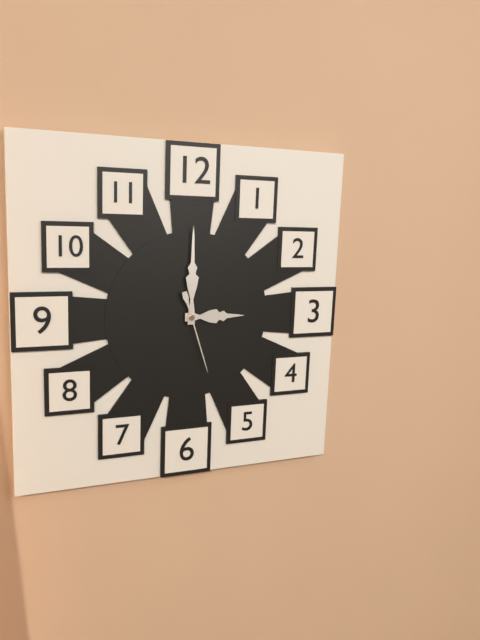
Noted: 3,00,27
